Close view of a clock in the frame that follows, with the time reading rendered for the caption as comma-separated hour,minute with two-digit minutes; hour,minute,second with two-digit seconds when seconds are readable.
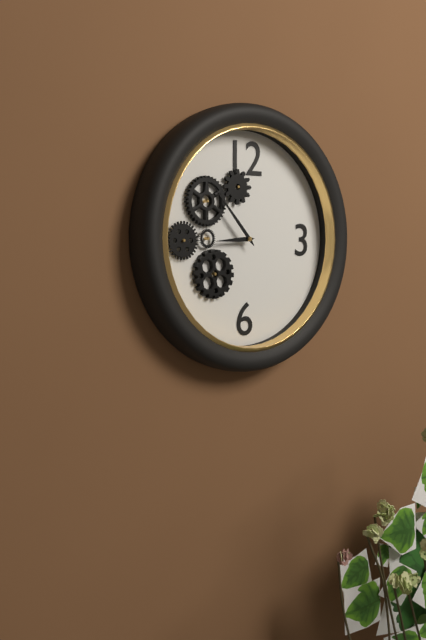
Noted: 8,53
